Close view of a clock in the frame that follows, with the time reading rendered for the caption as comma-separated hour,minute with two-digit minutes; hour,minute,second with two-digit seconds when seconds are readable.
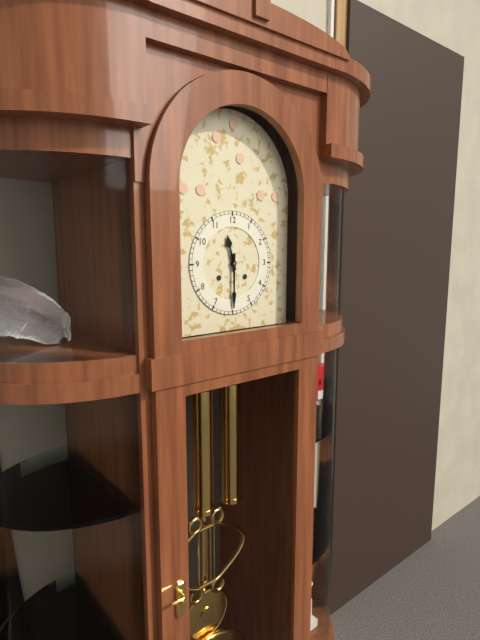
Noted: 11,30
